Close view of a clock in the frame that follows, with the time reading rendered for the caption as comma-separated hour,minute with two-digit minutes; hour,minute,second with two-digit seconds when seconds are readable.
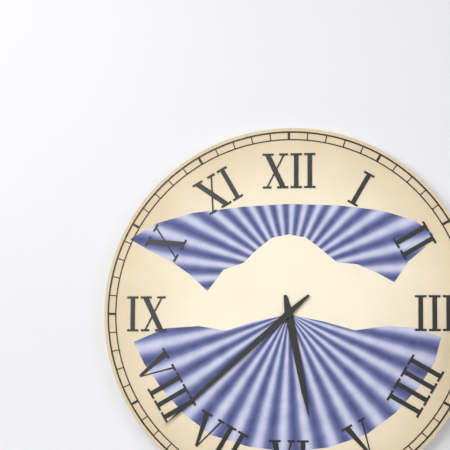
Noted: 5,38
